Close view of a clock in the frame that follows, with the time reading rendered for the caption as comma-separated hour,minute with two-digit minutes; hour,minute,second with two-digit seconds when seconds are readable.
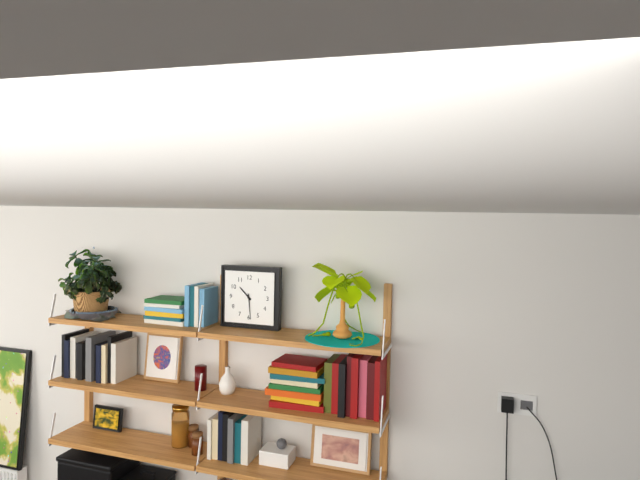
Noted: 10,29
